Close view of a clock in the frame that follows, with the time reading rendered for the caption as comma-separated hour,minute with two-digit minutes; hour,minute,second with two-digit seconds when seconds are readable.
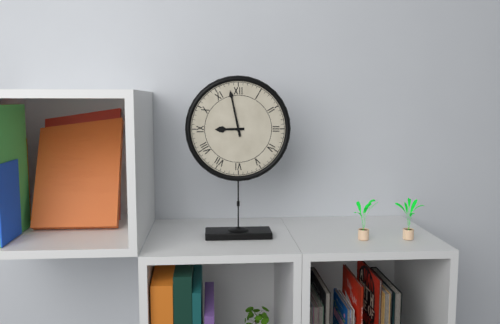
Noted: 8,58
